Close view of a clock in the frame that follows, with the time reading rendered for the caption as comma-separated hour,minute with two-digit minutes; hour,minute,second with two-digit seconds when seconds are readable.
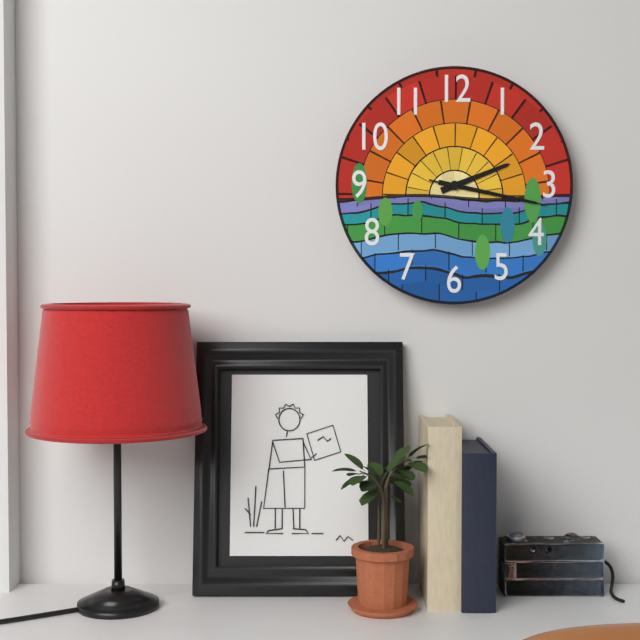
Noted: 2,17,17
